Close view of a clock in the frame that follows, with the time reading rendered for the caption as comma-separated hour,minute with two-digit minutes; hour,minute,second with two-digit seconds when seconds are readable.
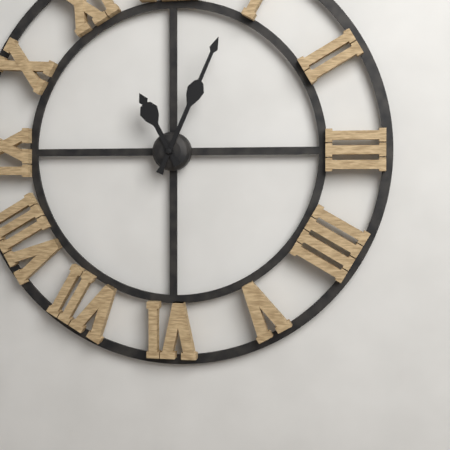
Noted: 11,04
